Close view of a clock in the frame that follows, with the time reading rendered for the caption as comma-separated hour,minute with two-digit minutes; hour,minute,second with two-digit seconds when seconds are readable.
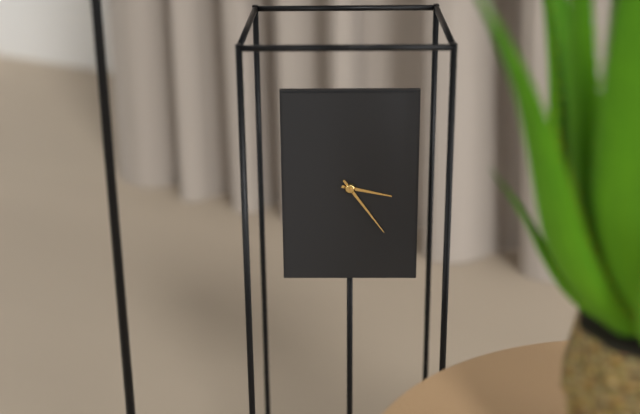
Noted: 3,24
